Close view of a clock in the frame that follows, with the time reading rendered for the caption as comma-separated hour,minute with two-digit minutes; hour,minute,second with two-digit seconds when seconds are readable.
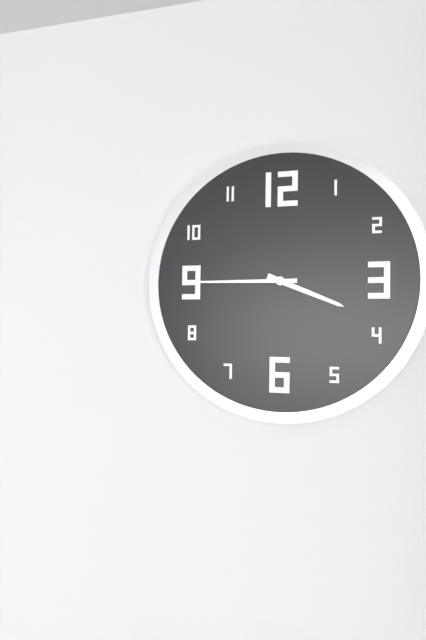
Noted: 3,45
